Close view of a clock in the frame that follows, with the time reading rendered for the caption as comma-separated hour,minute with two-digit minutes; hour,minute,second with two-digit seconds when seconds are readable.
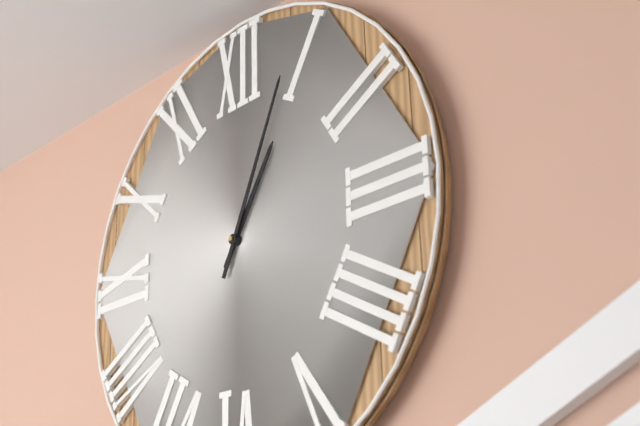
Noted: 1,04
